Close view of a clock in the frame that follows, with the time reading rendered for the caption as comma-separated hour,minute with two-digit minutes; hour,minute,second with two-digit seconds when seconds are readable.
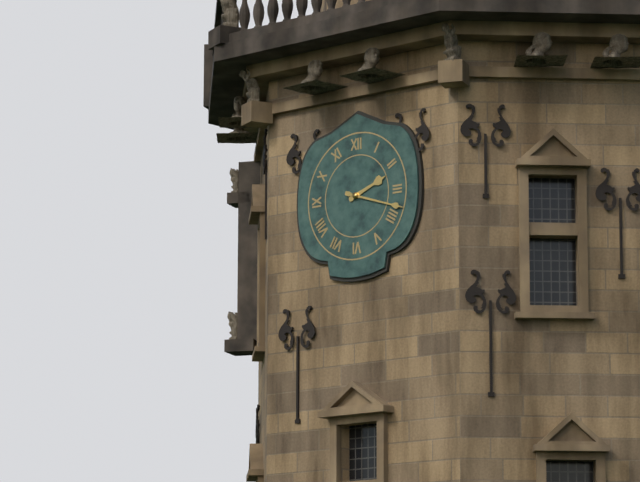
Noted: 2,18
